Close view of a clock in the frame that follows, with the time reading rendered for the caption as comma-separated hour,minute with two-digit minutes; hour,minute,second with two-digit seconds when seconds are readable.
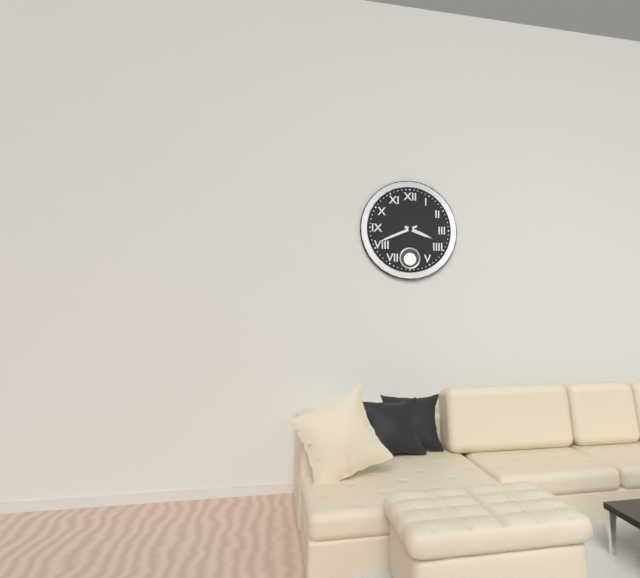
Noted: 3,41
